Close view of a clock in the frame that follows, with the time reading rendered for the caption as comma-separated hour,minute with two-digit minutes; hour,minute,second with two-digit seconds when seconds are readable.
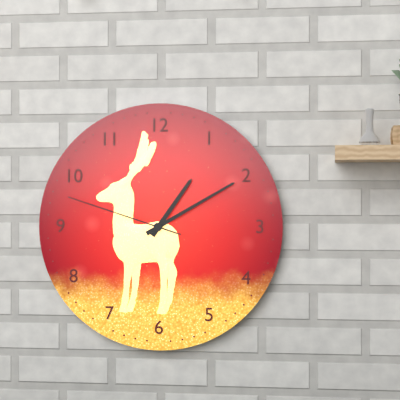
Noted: 1,10,48
